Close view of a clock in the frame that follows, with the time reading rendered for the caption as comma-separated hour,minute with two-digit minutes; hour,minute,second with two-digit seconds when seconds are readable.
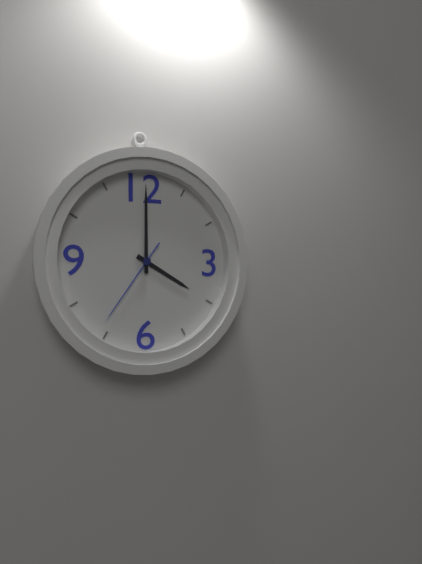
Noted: 4,00,36
